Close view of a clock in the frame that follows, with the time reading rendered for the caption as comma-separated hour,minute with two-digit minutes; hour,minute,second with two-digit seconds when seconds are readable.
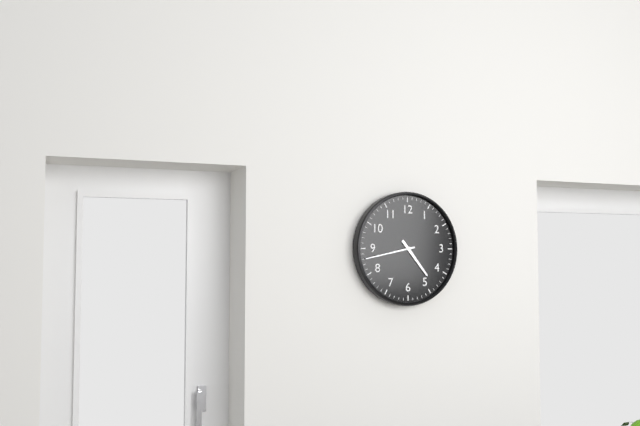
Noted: 4,43
